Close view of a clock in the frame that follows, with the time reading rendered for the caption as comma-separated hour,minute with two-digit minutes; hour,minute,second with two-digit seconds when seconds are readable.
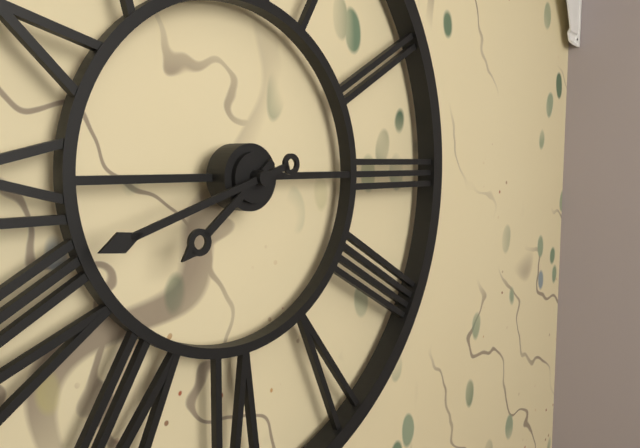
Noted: 7,42
